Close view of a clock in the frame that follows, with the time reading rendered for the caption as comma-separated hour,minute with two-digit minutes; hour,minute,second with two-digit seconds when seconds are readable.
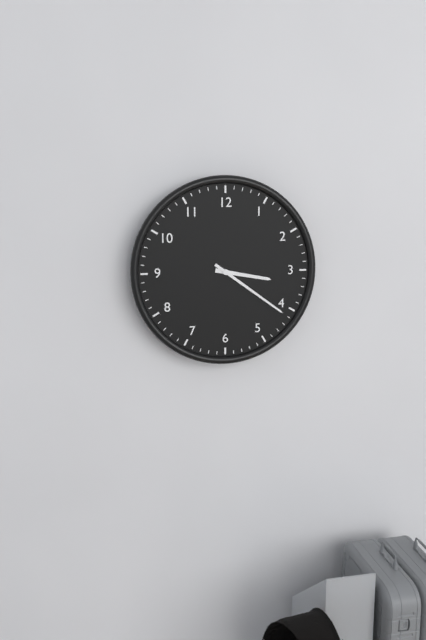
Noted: 3,21
